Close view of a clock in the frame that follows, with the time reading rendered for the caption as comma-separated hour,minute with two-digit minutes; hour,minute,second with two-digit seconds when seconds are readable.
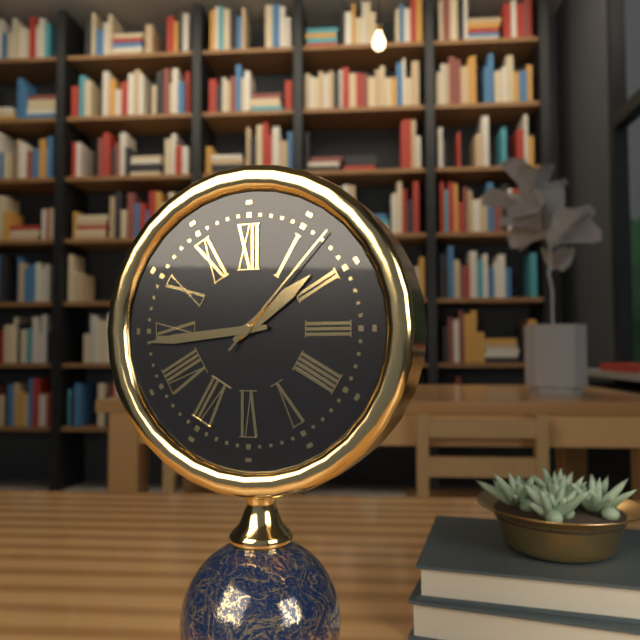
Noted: 1,44,07
